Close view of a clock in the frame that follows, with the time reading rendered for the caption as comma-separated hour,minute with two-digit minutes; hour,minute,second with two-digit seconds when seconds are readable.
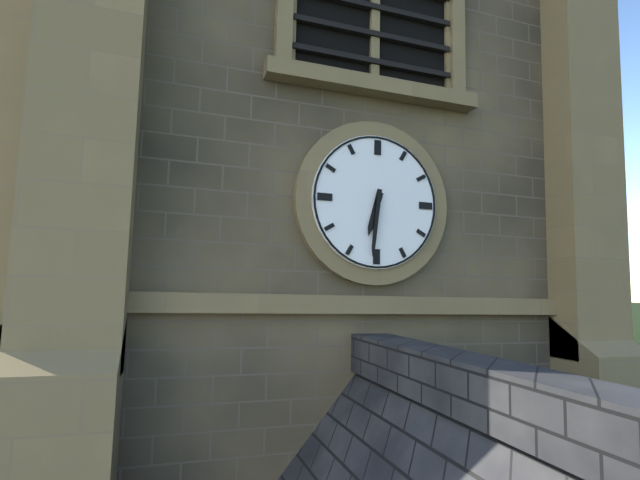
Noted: 6,31
